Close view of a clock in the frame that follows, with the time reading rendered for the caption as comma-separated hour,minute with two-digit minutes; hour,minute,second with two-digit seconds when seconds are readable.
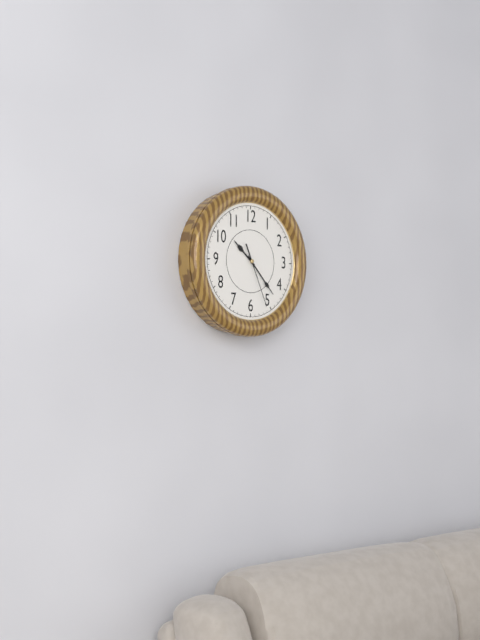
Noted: 10,23,26
